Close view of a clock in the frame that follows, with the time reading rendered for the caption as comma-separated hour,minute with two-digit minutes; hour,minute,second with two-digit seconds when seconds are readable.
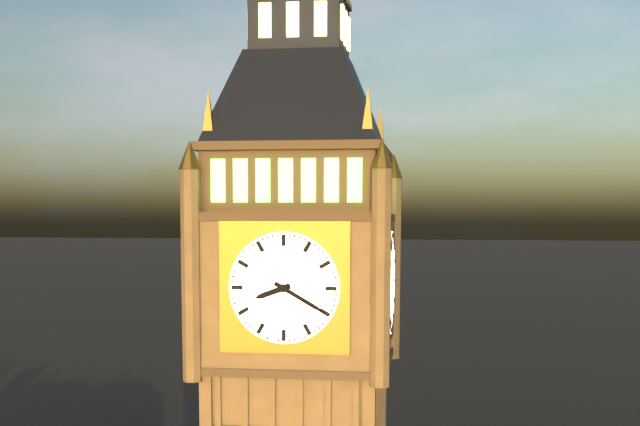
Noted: 8,20
